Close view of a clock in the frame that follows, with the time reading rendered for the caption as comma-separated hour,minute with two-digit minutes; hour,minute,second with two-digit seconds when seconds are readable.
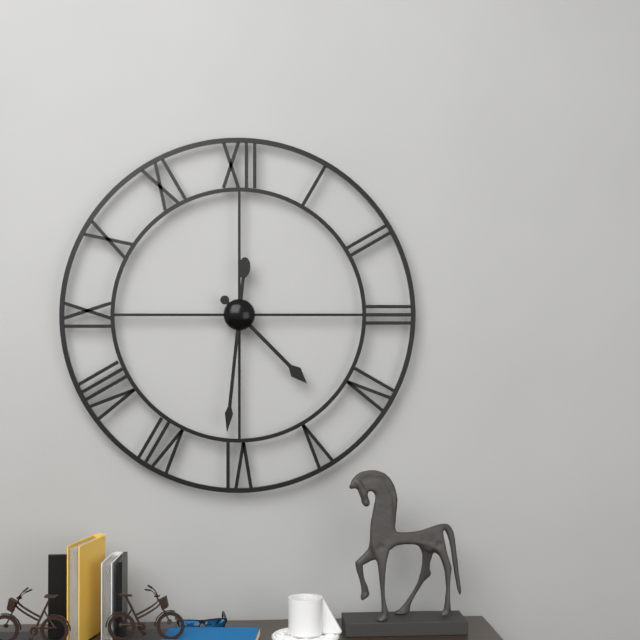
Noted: 4,31
